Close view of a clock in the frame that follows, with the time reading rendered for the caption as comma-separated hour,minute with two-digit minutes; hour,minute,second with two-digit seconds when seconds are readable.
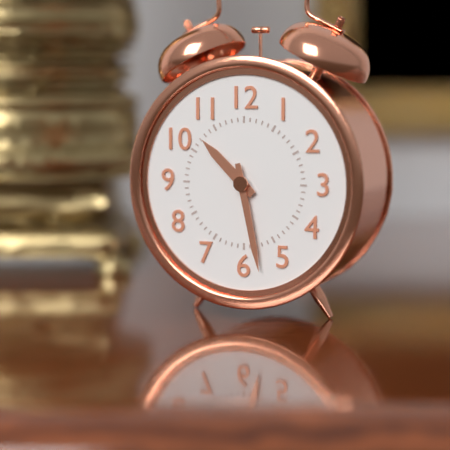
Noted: 10,28
